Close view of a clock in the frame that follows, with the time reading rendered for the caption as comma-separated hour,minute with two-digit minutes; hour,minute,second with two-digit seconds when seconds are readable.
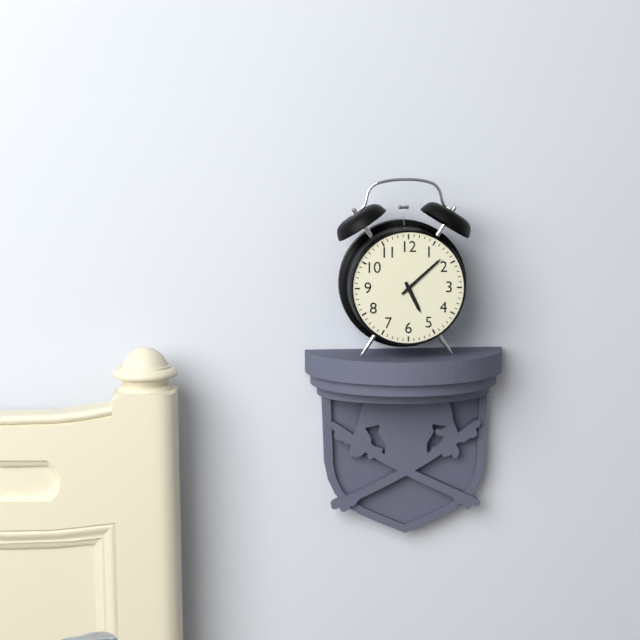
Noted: 5,08
